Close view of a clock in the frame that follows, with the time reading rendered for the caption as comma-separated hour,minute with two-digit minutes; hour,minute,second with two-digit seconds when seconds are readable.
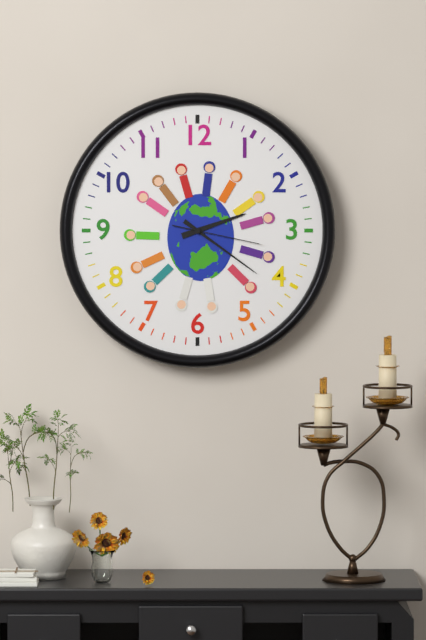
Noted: 2,21,17
